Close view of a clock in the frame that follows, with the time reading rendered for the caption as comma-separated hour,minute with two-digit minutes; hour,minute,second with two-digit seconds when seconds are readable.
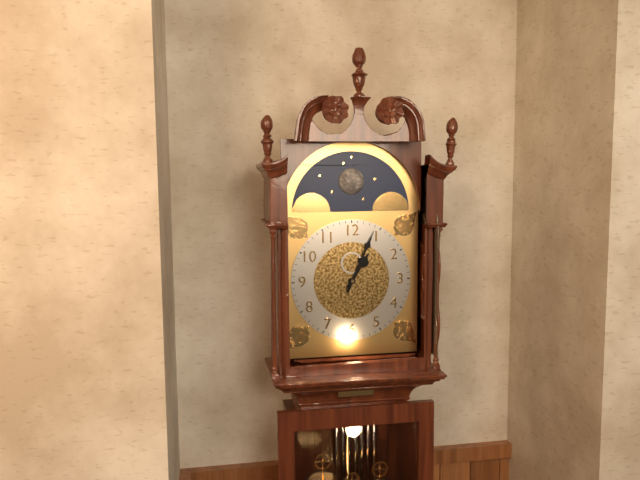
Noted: 1,04
